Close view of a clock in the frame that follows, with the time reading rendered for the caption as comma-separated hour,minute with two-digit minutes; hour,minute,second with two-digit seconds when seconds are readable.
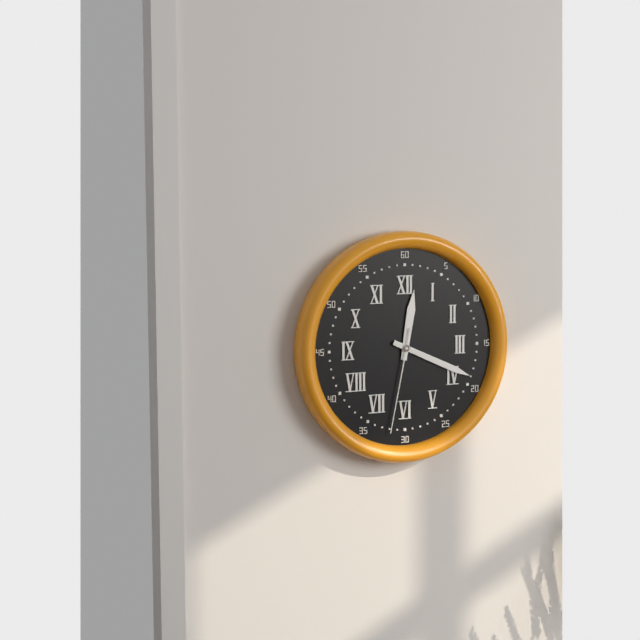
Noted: 12,19,32
